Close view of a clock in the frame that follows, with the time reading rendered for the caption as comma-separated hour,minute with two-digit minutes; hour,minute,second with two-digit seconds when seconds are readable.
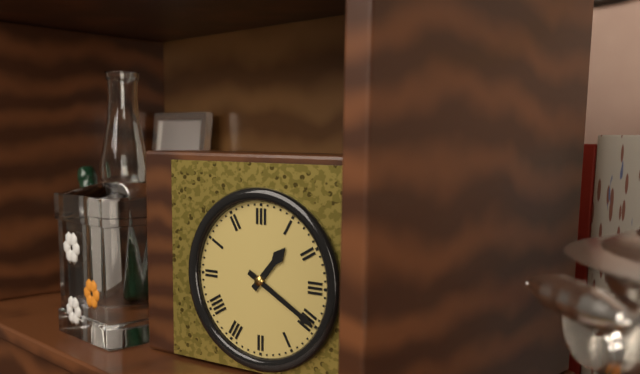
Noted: 1,20
